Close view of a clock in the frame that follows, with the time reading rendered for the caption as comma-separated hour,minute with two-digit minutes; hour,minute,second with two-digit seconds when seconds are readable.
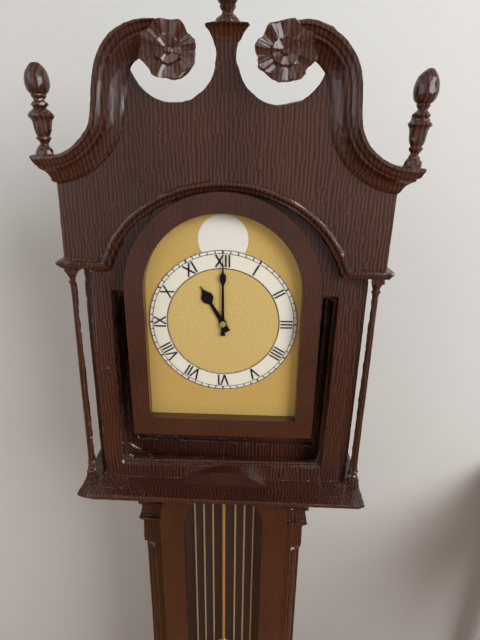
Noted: 11,00
